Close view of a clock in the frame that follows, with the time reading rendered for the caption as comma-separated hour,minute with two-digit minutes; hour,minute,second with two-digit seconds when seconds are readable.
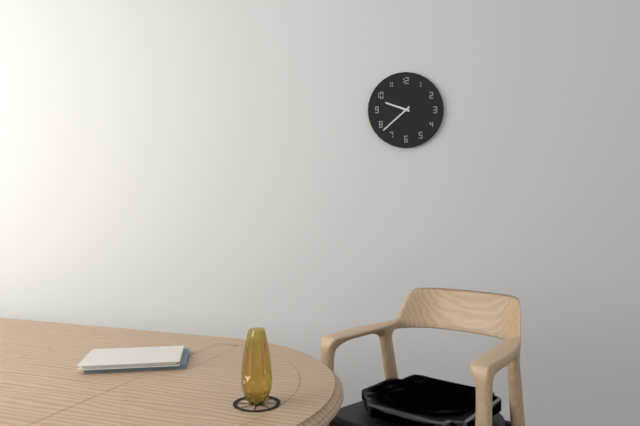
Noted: 9,38
